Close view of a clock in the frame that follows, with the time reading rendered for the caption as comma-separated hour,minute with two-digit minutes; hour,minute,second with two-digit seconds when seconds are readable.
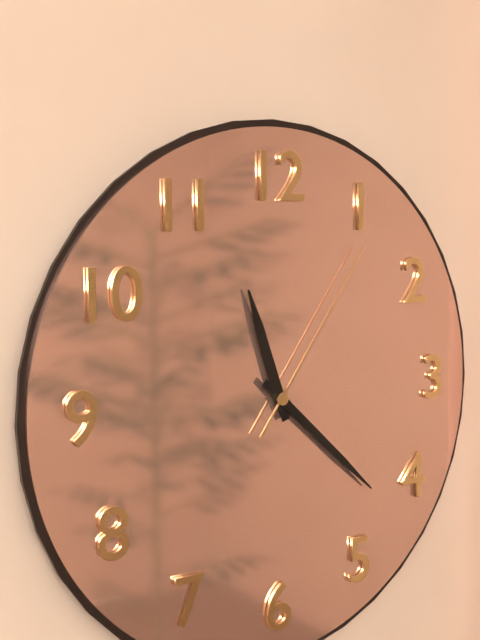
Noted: 11,22,06
